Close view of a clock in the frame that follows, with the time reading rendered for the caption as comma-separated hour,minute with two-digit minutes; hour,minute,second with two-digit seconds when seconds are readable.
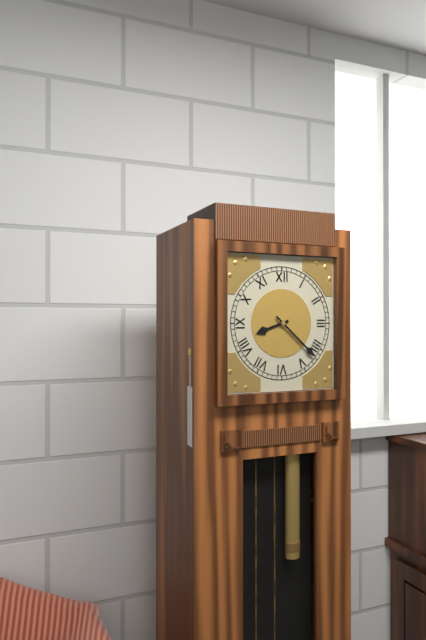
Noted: 8,22
